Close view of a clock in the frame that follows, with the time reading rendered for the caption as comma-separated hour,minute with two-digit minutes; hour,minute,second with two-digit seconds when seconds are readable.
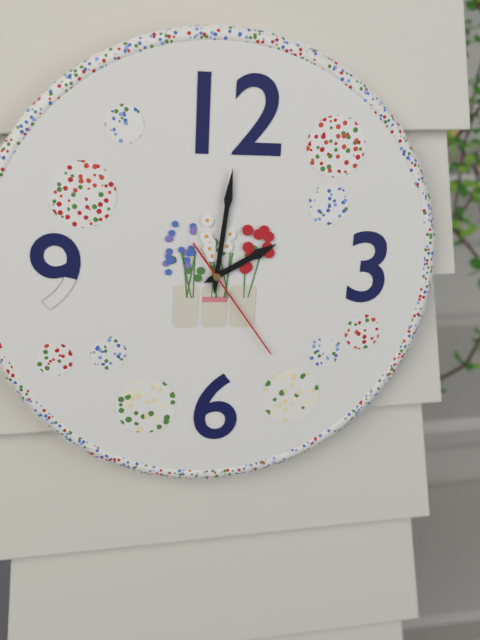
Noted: 2,01,24
